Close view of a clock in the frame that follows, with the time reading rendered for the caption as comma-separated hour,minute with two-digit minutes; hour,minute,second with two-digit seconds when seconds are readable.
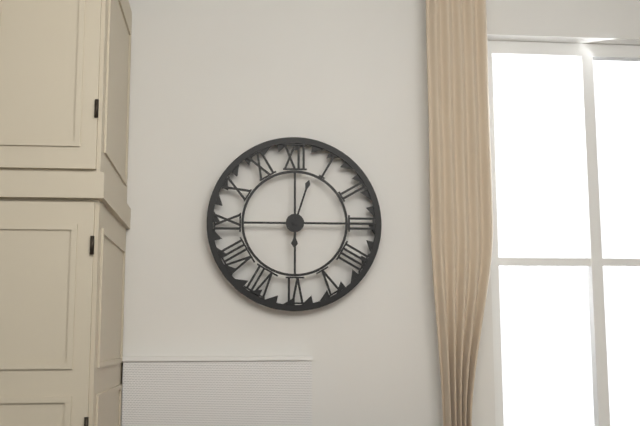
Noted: 6,03
